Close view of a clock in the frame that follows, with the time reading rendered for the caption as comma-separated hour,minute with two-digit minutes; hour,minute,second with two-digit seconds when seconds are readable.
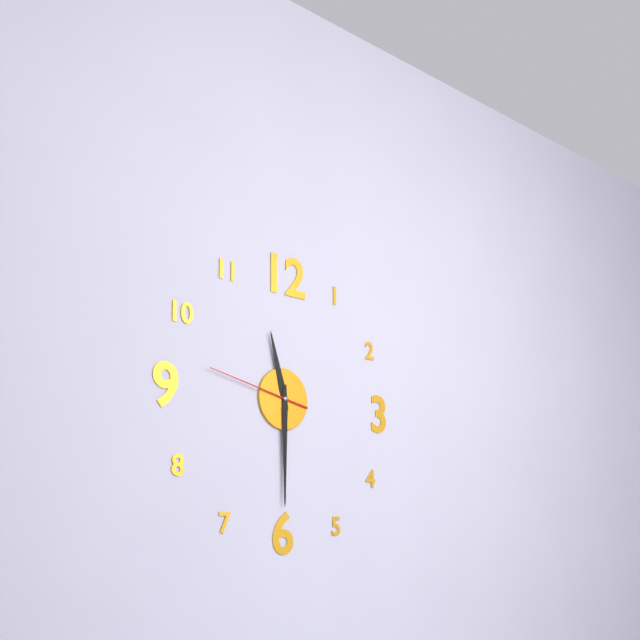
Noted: 11,30,47
